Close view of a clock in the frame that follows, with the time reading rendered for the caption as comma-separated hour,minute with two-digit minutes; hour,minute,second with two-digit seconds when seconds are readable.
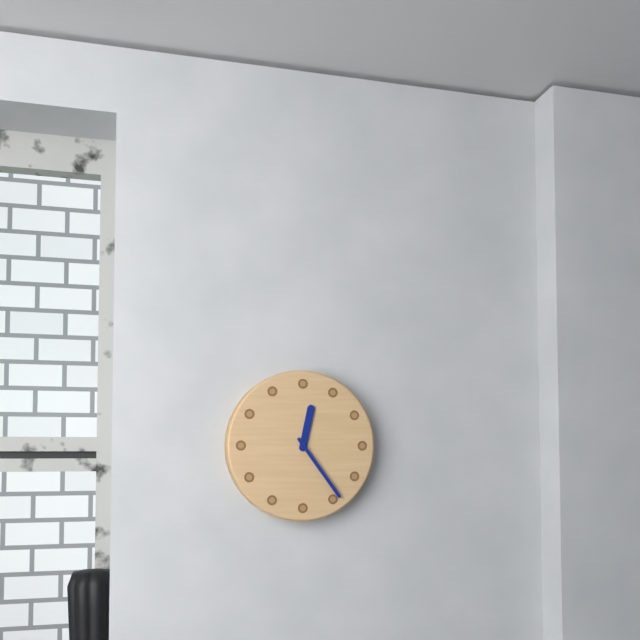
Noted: 12,24
